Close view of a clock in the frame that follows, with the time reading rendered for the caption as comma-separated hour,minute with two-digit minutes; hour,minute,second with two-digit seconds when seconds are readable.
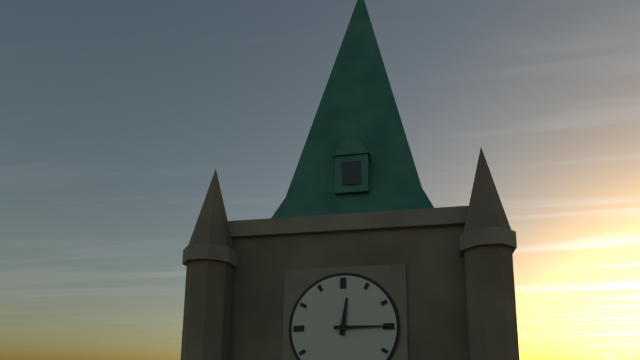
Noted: 12,15
